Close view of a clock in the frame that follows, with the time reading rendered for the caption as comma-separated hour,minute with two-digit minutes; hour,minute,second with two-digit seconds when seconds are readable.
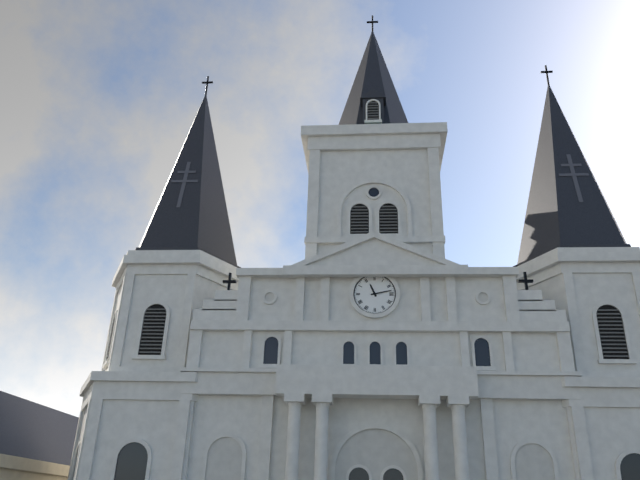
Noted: 11,13
